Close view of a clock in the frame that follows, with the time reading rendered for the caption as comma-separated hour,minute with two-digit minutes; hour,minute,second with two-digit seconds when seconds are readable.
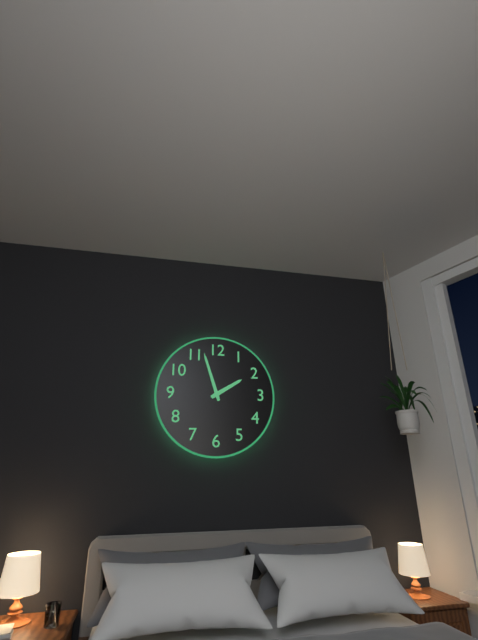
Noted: 1,57
